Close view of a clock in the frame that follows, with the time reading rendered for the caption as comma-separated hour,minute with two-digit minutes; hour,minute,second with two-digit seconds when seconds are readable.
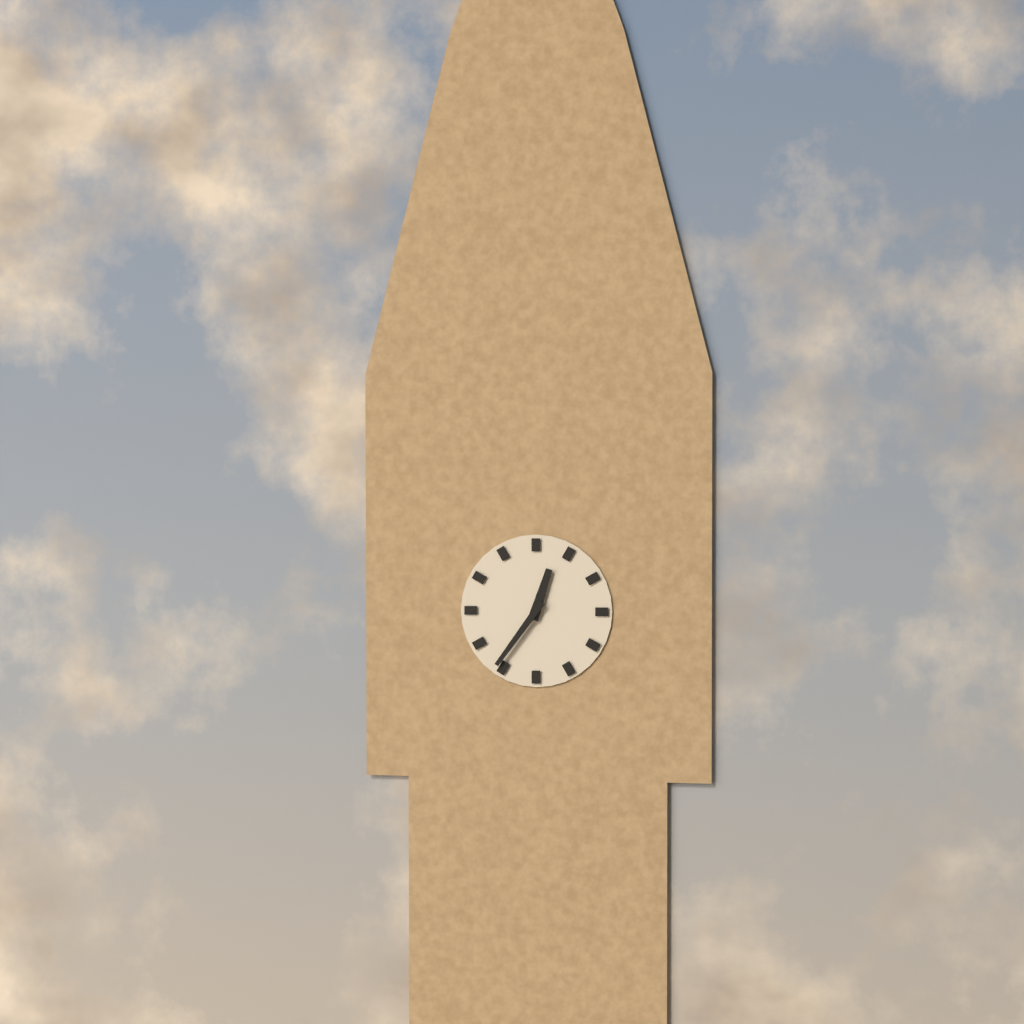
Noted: 12,36
